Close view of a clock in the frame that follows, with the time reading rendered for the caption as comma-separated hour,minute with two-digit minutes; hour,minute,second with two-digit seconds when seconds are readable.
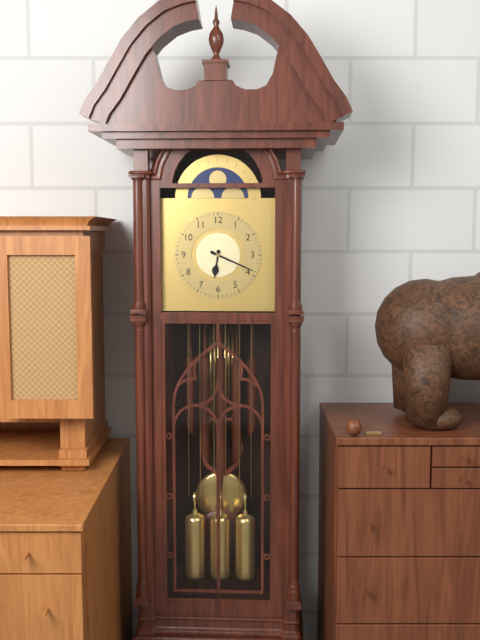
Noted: 6,19
